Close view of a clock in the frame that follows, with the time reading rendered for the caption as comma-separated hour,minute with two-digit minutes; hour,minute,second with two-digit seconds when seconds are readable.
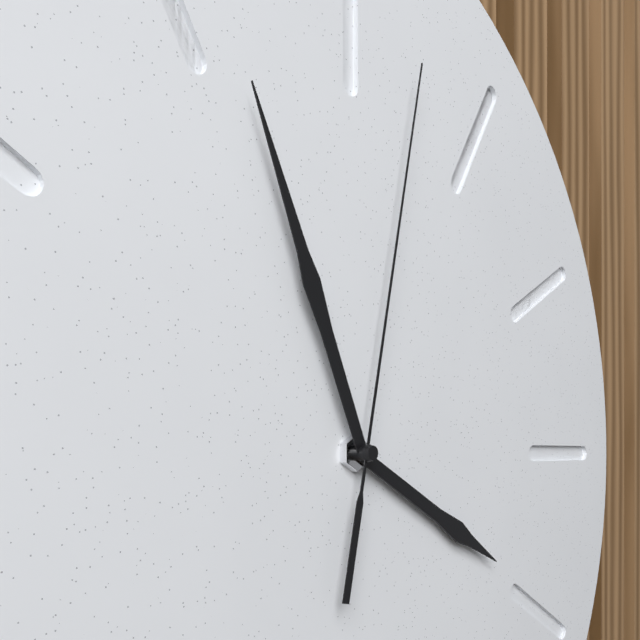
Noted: 3,56,02
